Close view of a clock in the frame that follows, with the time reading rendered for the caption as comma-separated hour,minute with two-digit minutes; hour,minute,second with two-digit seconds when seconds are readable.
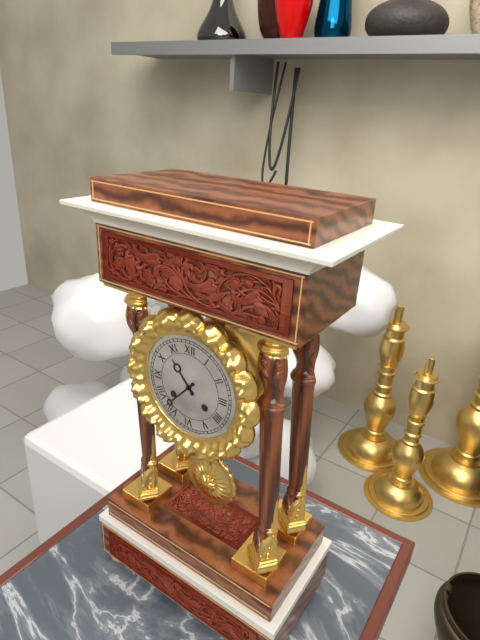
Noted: 10,37
